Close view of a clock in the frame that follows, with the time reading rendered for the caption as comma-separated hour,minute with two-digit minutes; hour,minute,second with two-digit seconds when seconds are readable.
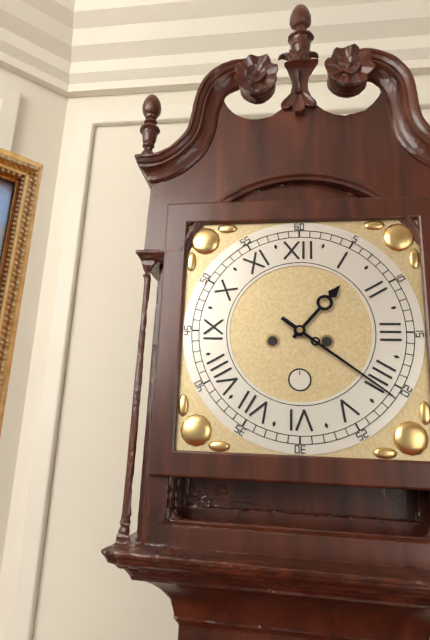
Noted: 1,21
